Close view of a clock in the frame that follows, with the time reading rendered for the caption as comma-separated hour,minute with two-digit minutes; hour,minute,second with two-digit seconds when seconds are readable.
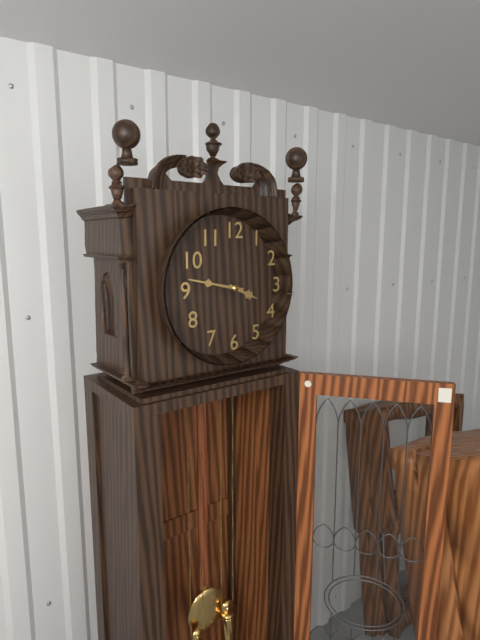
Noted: 3,47
